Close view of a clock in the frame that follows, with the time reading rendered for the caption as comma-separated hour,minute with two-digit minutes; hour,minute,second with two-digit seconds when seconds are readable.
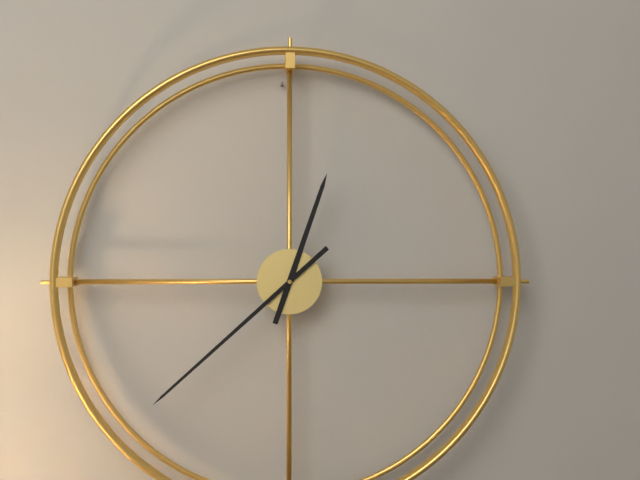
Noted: 12,38
